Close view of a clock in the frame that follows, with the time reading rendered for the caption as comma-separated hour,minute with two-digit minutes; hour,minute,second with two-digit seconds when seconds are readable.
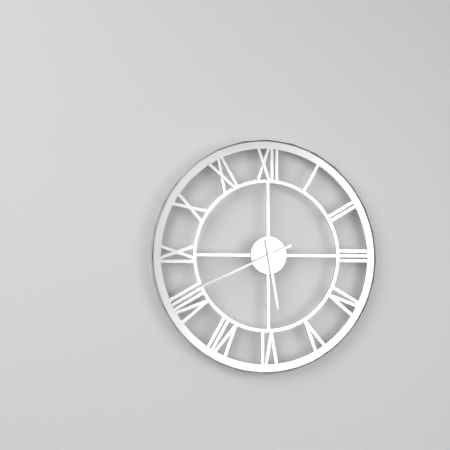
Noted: 5,41
